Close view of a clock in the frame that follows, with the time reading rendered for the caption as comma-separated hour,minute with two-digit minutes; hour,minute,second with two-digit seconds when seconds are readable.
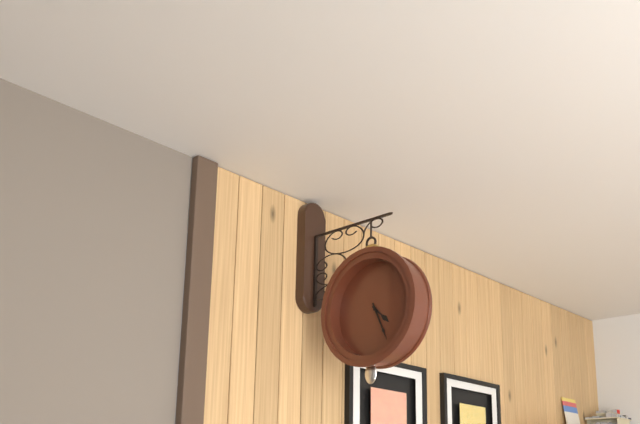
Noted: 4,26
